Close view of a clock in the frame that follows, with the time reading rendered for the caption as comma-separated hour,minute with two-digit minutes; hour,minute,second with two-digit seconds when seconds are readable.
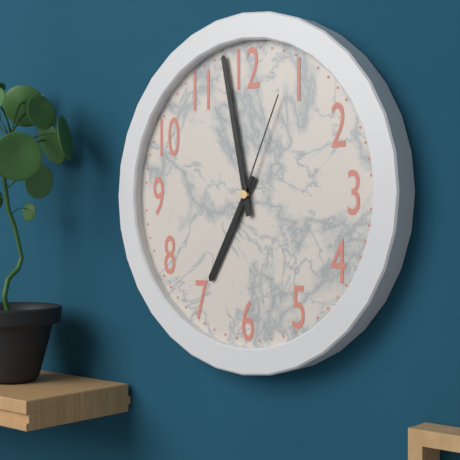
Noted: 6,58,04
